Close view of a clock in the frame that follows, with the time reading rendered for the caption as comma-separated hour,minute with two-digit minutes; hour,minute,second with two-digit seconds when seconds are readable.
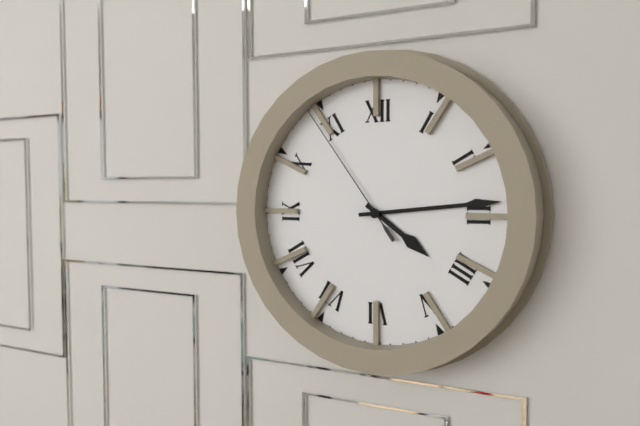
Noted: 4,14,54
